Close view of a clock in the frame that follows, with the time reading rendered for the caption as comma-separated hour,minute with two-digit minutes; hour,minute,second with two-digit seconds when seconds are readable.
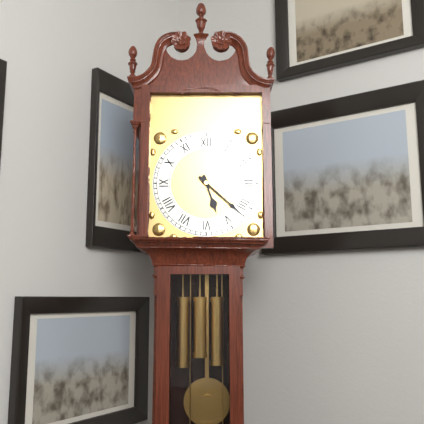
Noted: 5,22
